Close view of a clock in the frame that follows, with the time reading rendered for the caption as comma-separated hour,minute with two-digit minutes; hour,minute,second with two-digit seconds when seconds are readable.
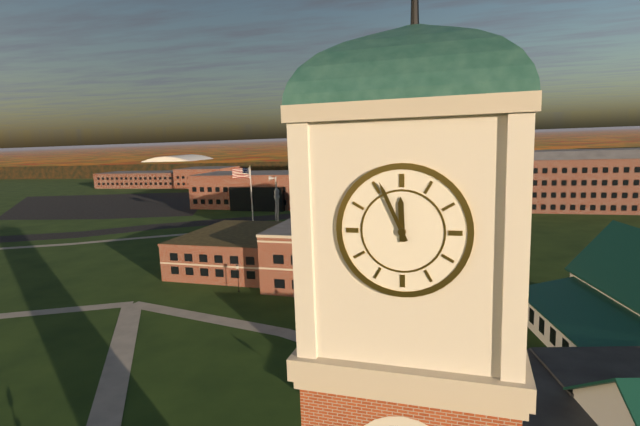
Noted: 11,56
